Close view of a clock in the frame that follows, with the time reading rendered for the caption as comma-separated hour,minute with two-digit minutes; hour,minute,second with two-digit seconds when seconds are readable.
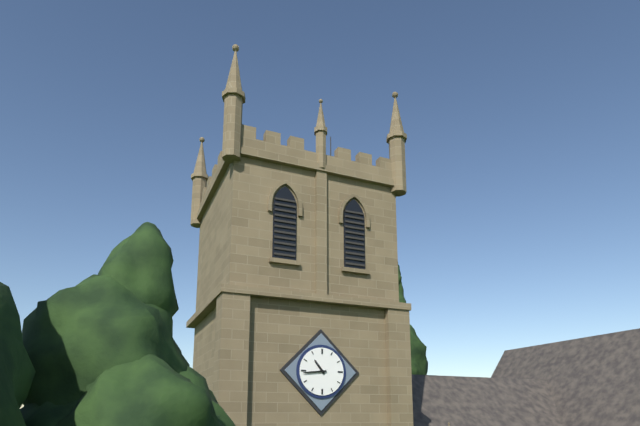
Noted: 10,44
